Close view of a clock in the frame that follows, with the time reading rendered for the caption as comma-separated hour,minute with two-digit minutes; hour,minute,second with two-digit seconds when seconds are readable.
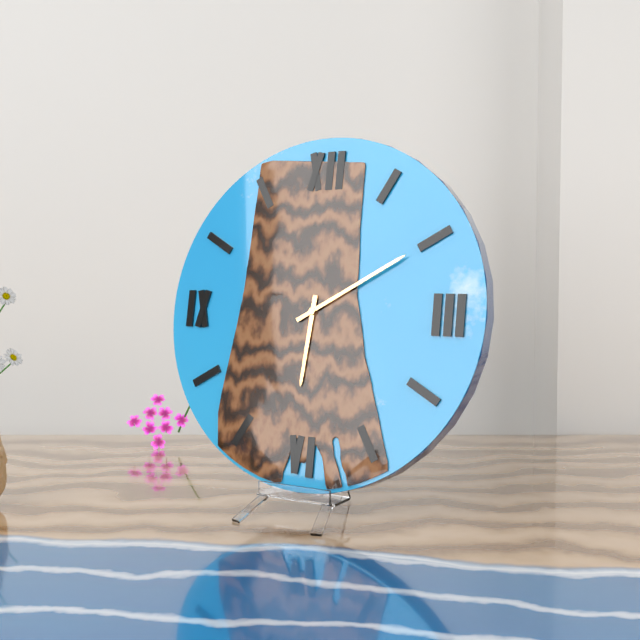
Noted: 6,10
